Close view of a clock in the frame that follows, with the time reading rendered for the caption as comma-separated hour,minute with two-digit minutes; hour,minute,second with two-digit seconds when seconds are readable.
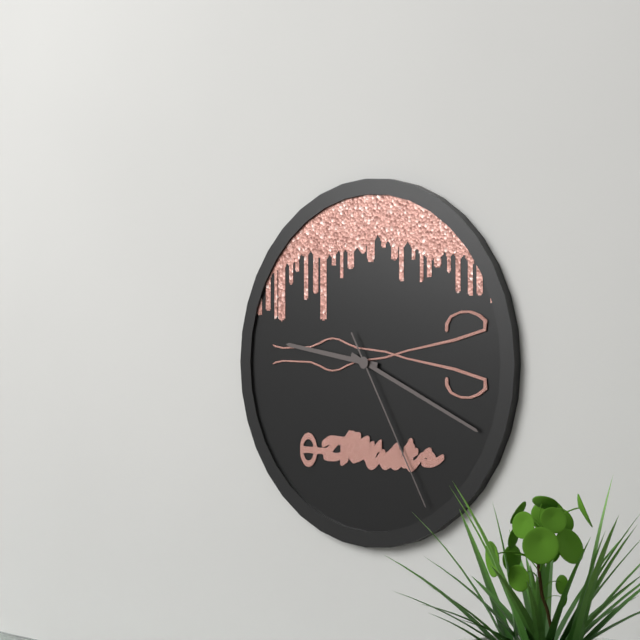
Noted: 9,19,25
